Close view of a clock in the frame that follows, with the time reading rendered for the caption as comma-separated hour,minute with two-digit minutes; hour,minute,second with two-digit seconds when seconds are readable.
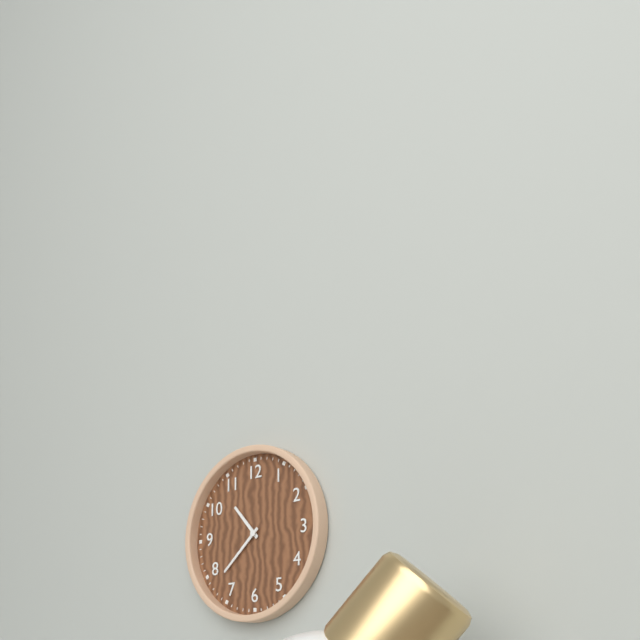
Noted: 10,38
